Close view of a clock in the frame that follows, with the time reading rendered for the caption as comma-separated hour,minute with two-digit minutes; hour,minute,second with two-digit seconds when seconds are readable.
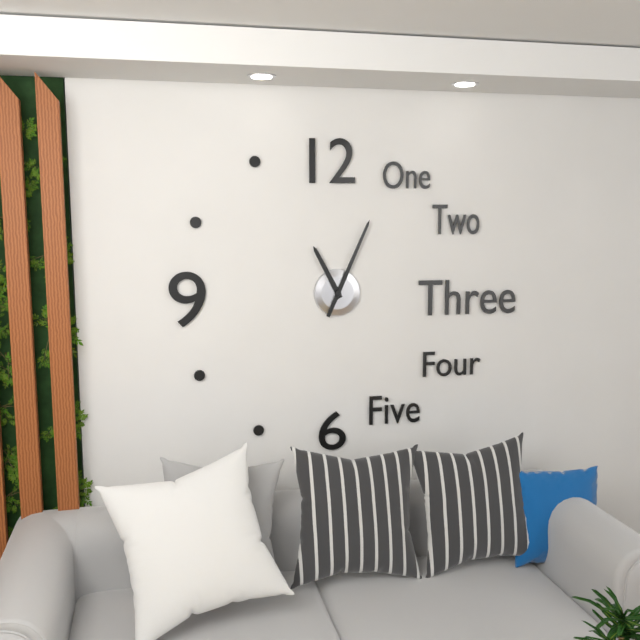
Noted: 11,04
